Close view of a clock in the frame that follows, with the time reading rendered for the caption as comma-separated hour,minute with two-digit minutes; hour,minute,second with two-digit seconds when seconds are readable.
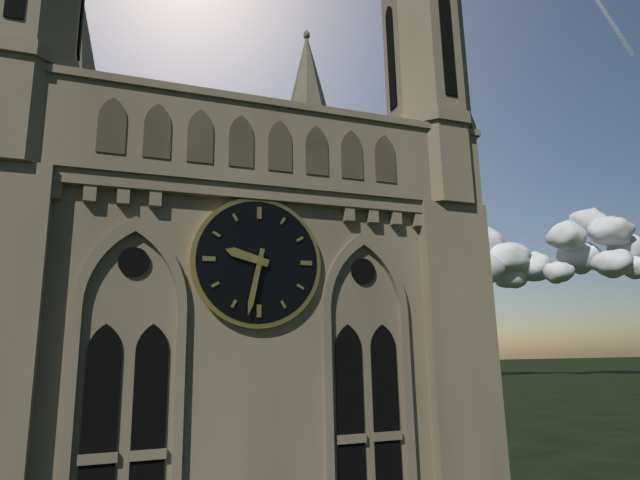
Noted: 9,32
